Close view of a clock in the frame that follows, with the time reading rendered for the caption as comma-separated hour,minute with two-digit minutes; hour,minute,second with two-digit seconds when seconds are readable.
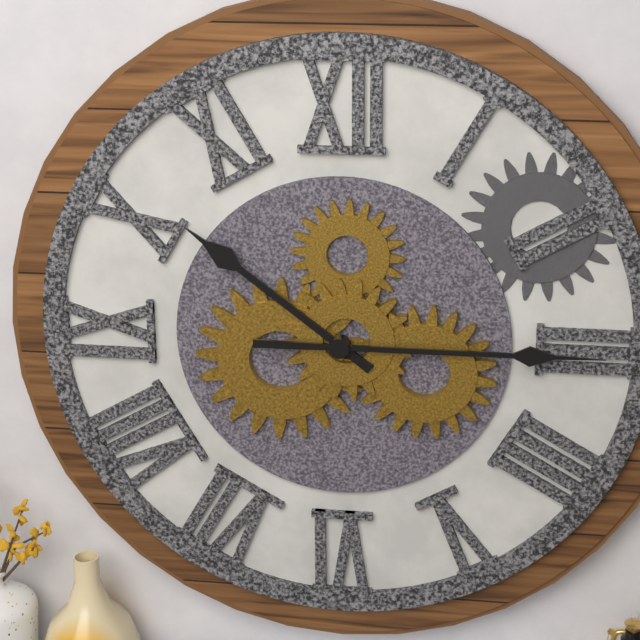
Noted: 10,15
